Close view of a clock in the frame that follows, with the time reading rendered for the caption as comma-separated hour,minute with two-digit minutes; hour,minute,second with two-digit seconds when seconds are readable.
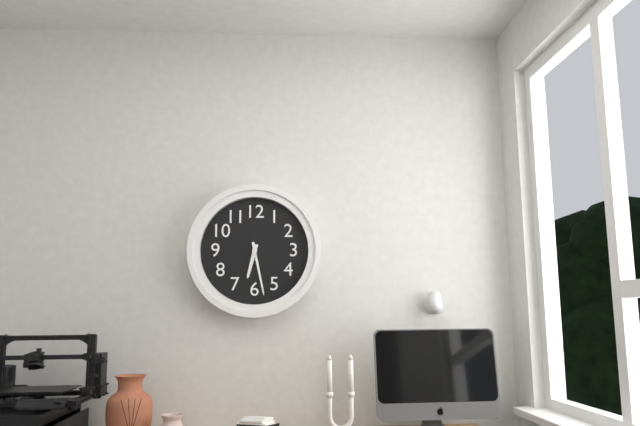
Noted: 6,28
